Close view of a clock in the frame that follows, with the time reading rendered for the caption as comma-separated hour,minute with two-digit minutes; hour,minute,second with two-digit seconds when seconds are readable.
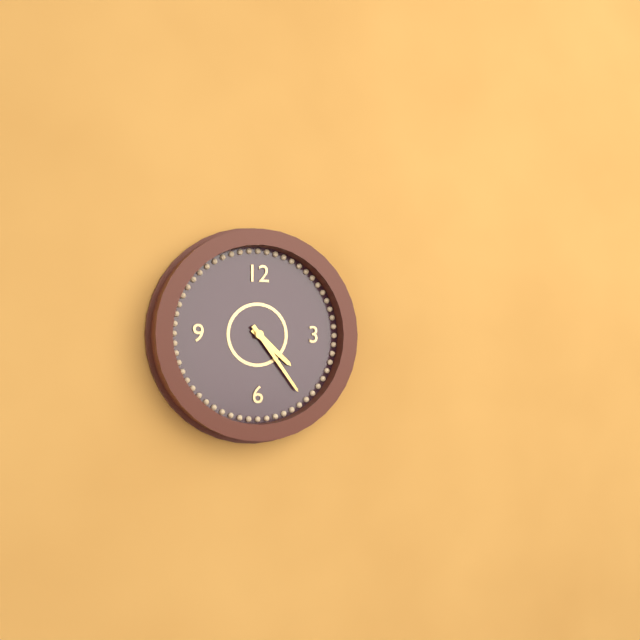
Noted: 4,24
